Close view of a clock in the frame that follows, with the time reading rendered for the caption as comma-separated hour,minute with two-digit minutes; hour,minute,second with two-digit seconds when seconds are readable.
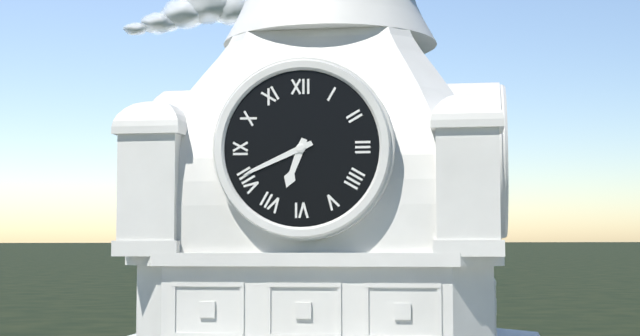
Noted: 6,41
